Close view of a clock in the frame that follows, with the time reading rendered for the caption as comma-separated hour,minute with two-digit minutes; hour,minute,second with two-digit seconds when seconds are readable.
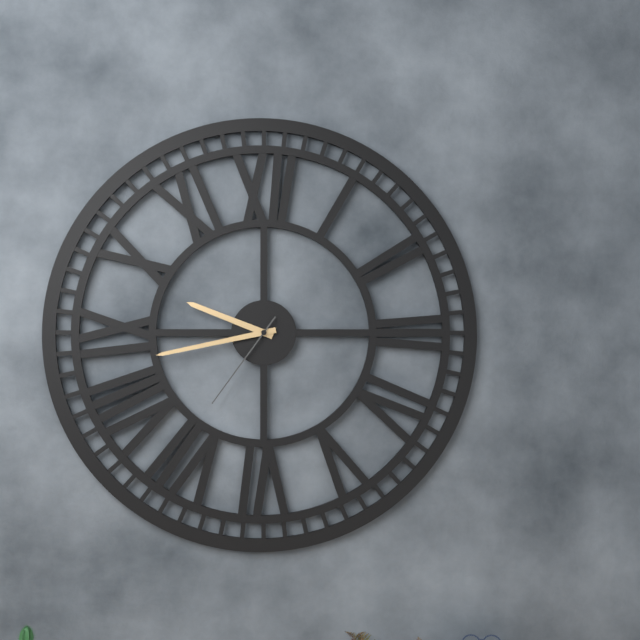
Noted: 9,43,36
